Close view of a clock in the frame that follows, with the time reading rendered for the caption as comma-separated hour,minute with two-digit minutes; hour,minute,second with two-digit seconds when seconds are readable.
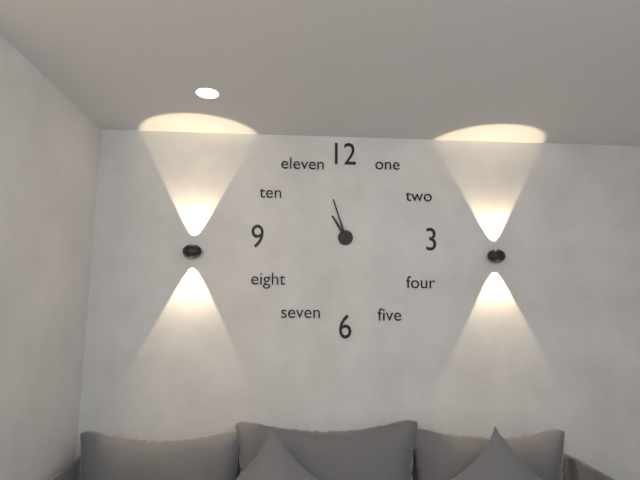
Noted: 10,57
